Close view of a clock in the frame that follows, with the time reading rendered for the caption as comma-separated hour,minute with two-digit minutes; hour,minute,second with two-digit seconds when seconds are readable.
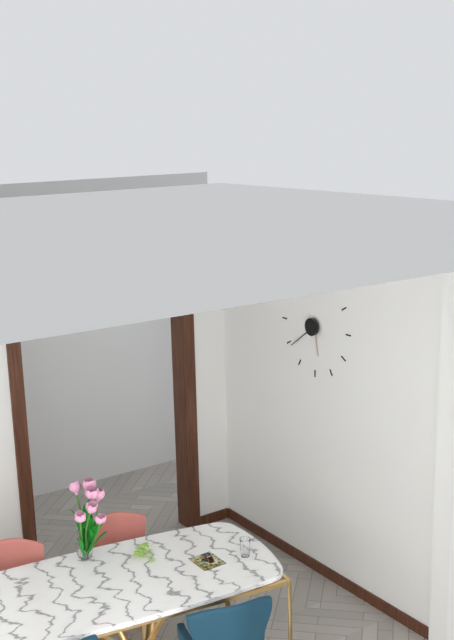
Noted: 5,39
